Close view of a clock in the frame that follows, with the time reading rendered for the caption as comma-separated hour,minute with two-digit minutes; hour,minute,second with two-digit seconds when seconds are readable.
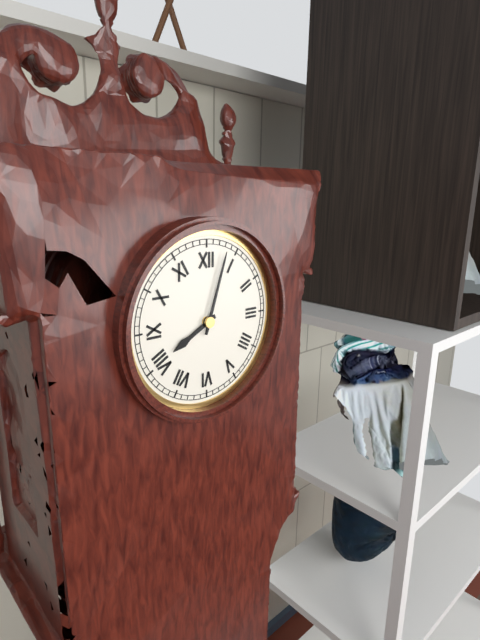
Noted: 8,03
